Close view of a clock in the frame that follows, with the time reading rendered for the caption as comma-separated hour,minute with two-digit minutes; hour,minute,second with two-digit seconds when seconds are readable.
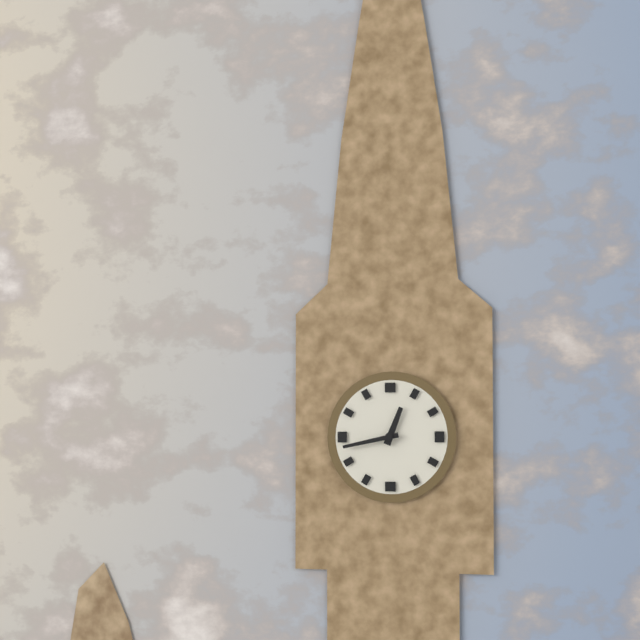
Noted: 12,43
